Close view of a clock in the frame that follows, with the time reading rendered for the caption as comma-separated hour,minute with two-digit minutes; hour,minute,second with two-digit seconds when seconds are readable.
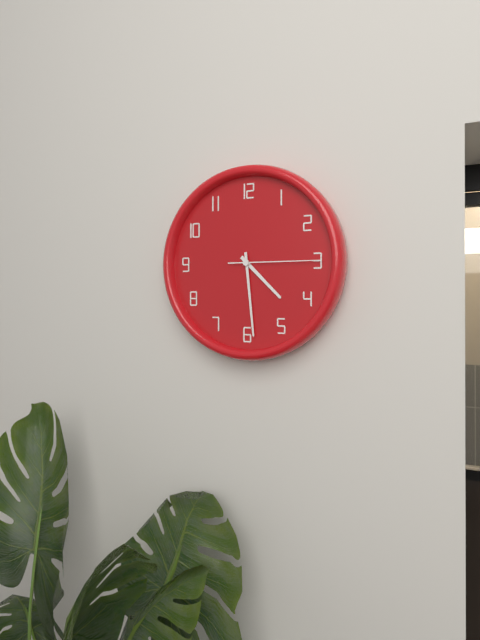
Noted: 4,29,15
